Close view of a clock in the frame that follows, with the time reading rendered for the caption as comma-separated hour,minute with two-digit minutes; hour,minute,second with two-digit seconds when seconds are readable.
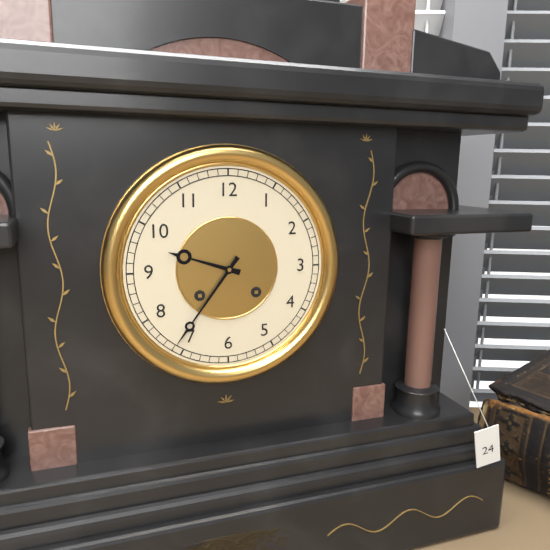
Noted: 9,36
